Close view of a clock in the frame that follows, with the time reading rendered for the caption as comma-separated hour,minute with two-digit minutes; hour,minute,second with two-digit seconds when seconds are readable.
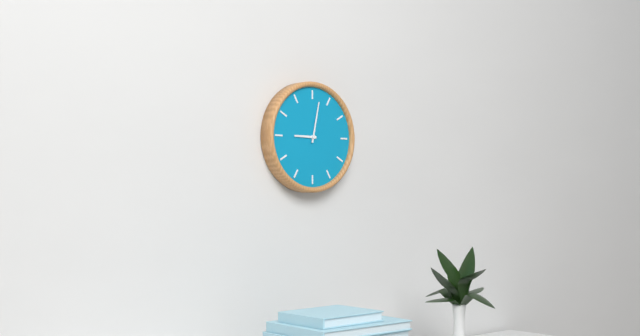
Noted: 9,02
